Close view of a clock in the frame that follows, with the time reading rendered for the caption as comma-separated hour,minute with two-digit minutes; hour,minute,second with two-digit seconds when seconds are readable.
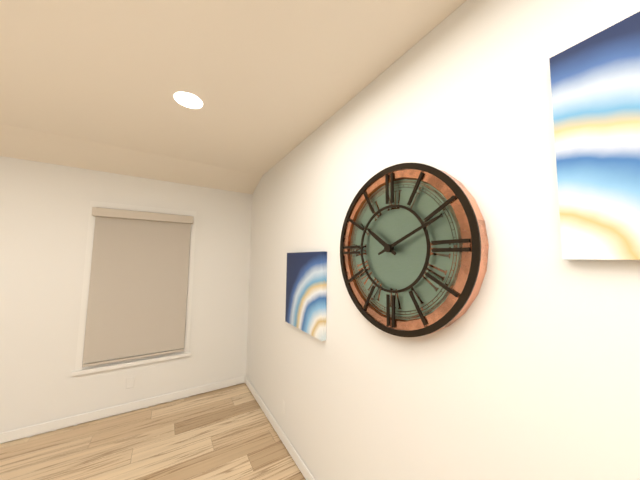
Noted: 10,11
